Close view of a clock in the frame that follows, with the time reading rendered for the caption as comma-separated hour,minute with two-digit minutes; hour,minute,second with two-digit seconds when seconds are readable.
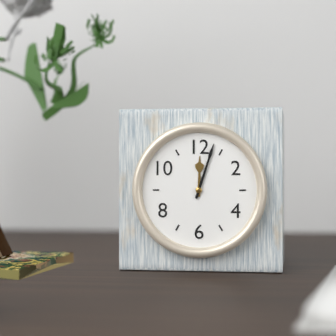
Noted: 12,03
